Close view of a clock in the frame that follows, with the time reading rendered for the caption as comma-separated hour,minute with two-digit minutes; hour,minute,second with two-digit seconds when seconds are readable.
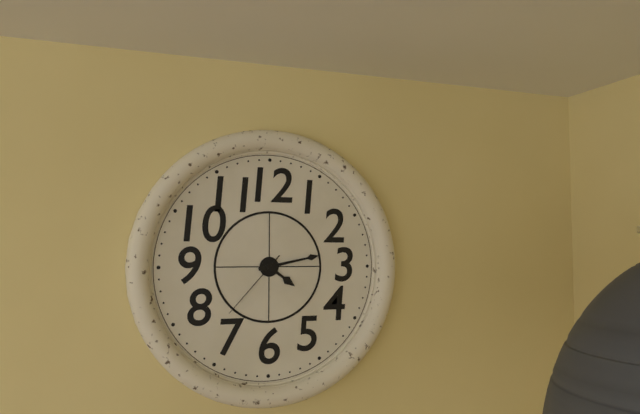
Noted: 4,13,37
